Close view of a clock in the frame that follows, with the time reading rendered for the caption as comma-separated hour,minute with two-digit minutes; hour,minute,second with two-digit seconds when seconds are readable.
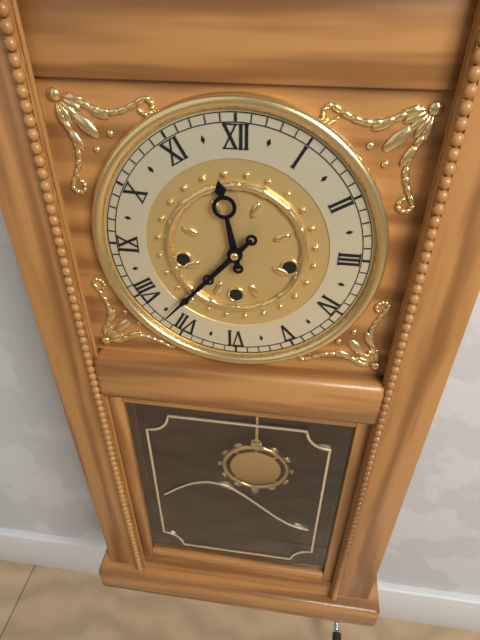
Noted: 11,37
